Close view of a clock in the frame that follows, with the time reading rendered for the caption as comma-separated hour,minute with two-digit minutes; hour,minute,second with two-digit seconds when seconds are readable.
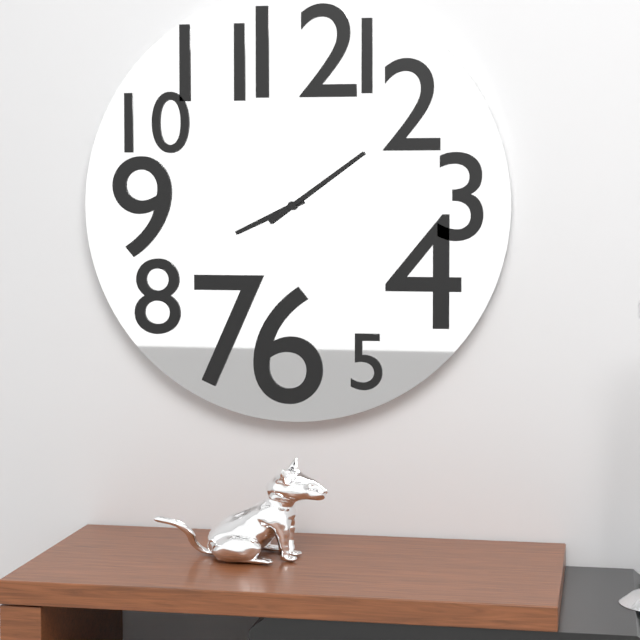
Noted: 8,09
